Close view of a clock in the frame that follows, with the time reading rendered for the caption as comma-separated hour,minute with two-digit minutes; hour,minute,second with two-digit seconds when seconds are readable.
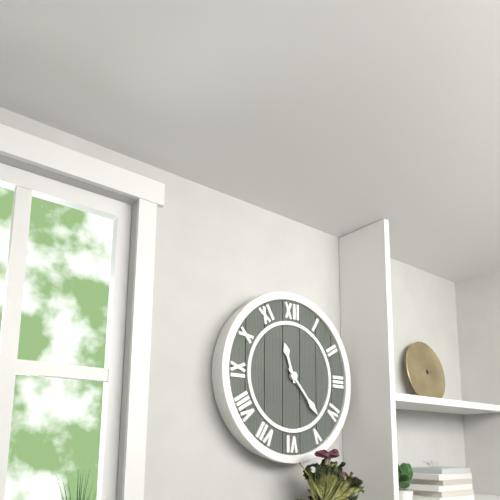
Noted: 11,23
